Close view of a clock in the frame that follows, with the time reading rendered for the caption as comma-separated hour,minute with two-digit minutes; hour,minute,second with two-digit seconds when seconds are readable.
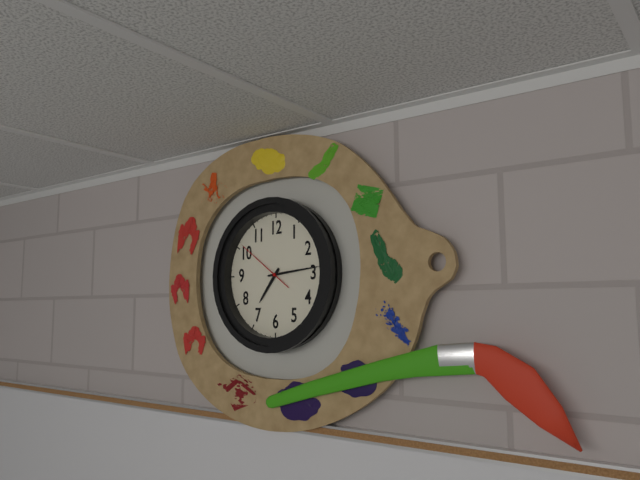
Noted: 7,14,51
